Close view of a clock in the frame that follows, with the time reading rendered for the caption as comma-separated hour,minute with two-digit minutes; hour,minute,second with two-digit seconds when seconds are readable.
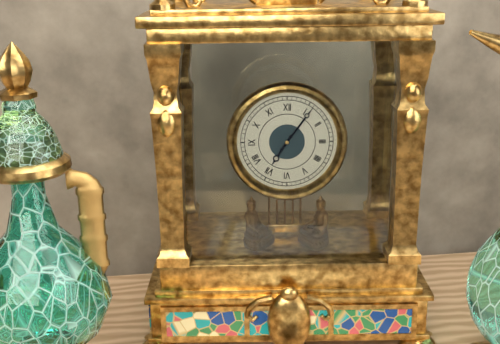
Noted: 7,06
